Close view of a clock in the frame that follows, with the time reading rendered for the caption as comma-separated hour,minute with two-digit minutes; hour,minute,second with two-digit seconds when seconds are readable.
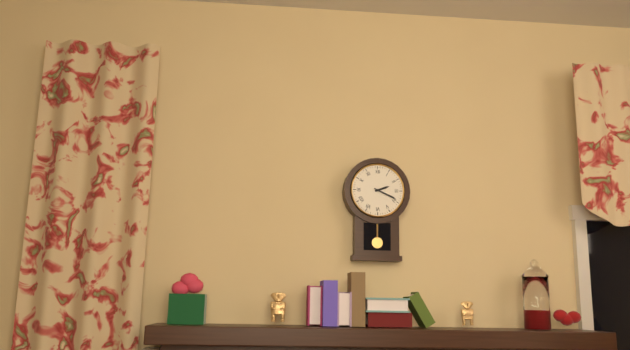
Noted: 2,19
